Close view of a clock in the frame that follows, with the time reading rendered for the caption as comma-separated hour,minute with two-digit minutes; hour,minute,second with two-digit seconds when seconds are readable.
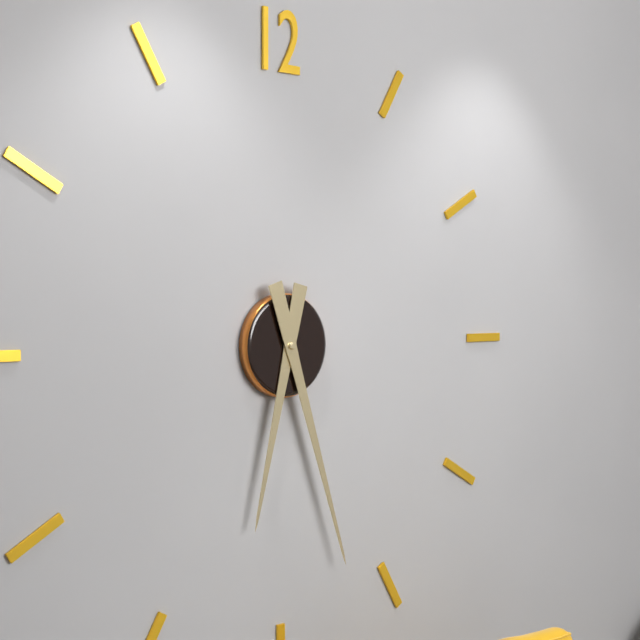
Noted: 6,27
